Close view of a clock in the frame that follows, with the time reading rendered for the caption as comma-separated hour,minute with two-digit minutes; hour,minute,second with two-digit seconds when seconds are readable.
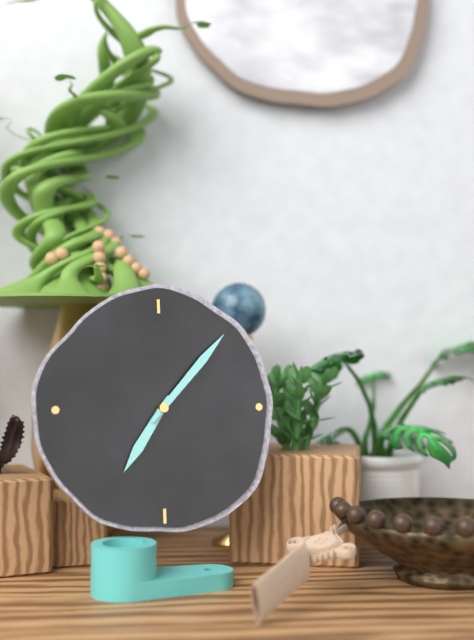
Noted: 7,07
